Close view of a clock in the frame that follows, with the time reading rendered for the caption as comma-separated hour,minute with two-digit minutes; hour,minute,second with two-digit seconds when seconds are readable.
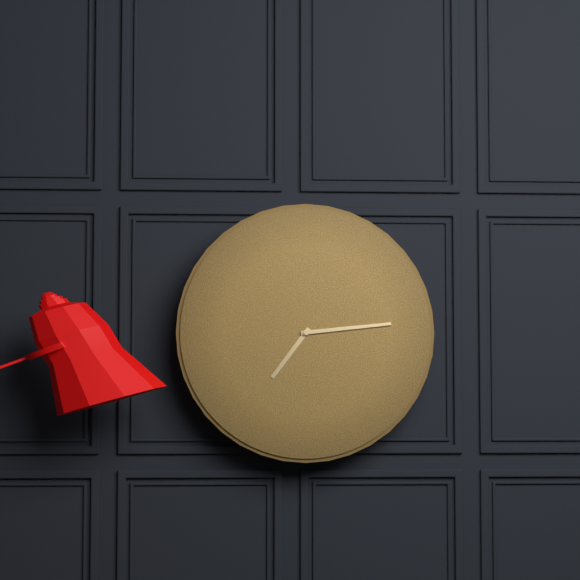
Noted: 7,14
